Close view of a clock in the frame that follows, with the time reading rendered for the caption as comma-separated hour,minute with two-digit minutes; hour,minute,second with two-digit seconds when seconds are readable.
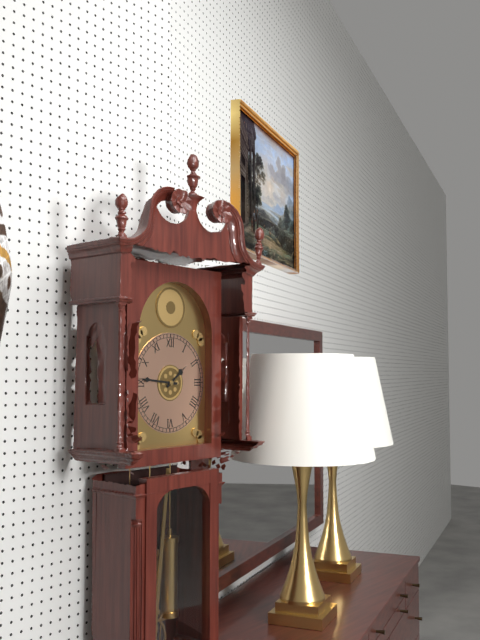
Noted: 1,46
